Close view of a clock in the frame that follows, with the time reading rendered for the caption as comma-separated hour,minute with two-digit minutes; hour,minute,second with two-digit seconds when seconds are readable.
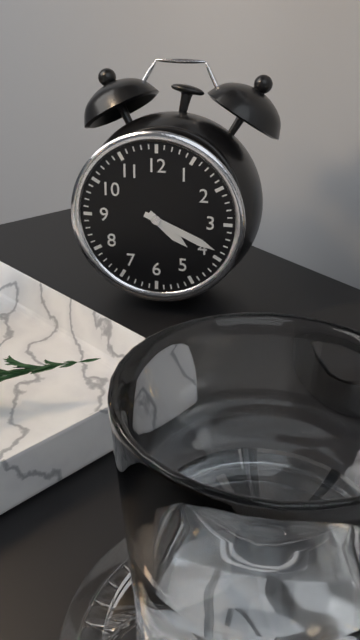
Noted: 4,19
